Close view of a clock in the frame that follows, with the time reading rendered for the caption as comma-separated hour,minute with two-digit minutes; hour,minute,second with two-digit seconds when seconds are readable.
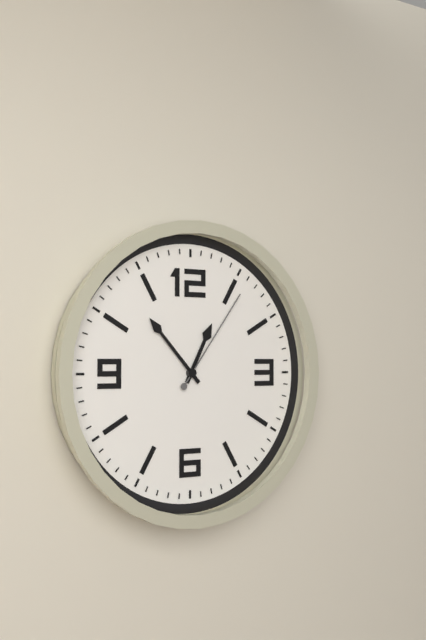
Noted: 12,53,06
